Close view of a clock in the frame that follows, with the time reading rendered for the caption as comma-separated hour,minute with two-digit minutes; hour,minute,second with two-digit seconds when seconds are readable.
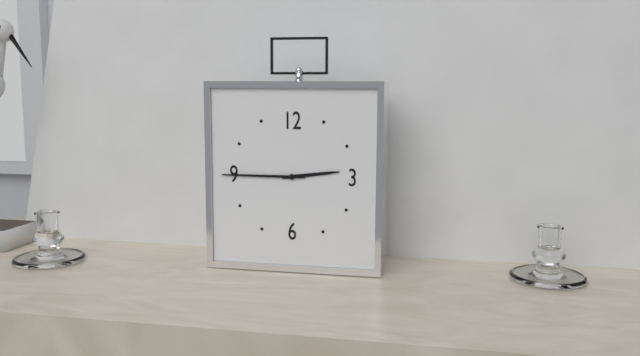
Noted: 2,45
